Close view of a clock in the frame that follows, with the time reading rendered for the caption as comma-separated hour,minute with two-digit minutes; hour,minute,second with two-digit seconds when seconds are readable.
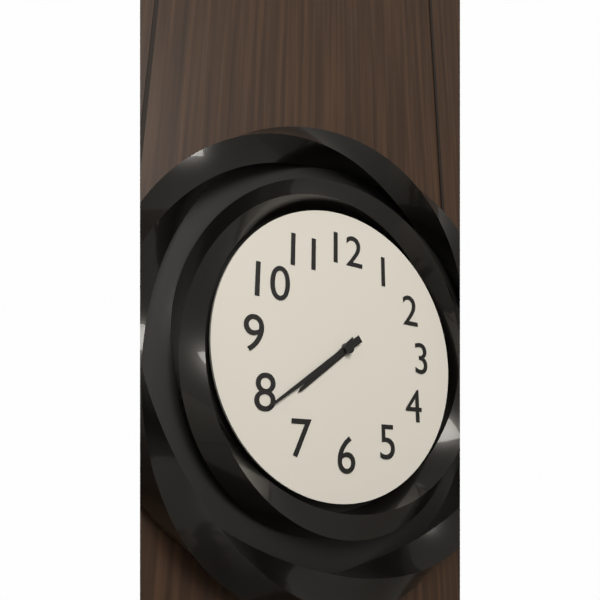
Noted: 7,39
